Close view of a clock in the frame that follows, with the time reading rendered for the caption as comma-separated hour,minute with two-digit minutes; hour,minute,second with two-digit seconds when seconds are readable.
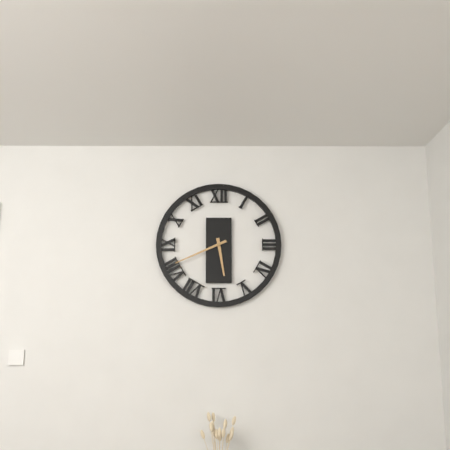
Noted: 5,41
